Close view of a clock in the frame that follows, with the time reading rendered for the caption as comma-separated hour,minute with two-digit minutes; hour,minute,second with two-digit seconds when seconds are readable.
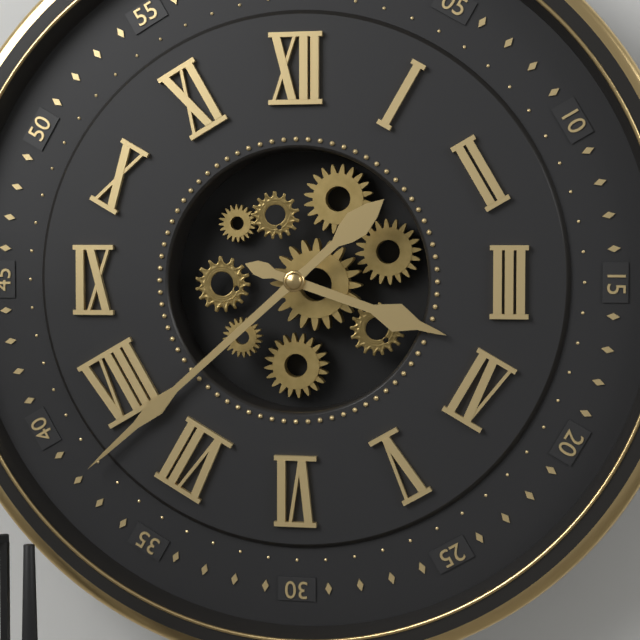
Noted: 3,38
